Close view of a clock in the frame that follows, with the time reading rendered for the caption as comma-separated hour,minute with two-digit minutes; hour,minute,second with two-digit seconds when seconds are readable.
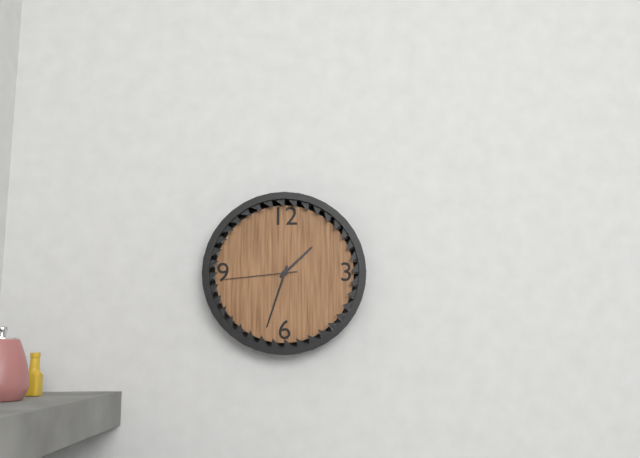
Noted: 1,33,44
